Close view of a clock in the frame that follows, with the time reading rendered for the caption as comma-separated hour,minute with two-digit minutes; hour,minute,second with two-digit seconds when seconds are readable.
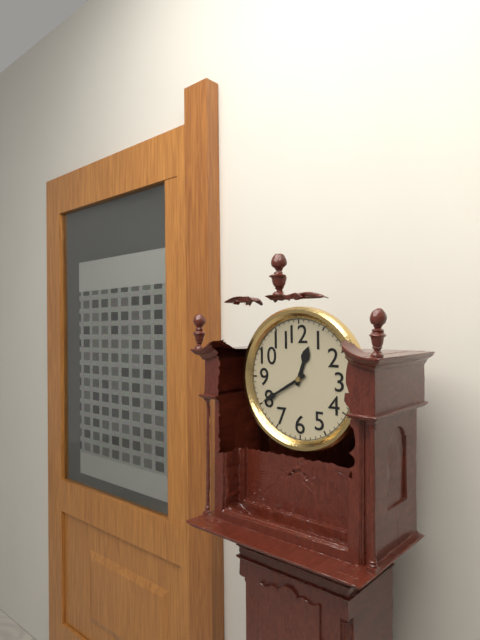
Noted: 12,40
